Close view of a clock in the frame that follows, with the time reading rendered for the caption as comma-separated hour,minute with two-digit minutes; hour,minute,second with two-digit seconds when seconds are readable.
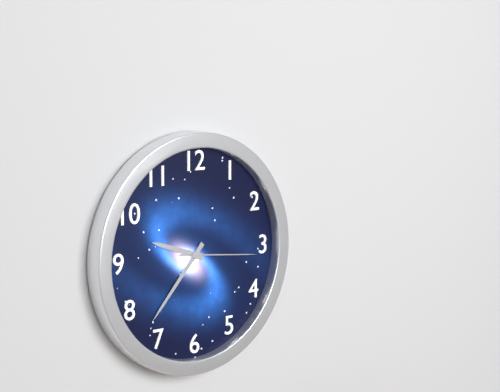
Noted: 9,37,16
